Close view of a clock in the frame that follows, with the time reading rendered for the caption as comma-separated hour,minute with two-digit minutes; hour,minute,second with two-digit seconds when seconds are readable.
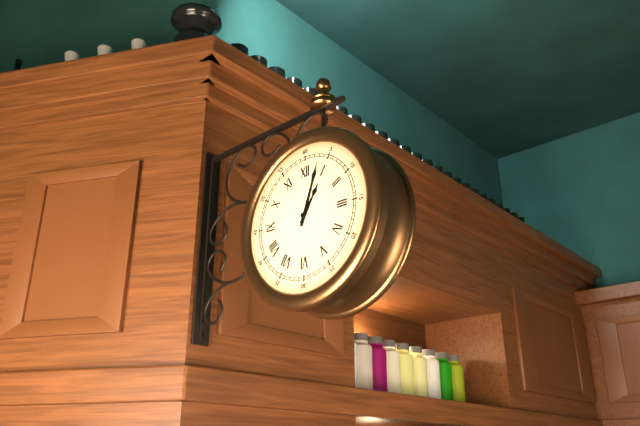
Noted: 1,03
